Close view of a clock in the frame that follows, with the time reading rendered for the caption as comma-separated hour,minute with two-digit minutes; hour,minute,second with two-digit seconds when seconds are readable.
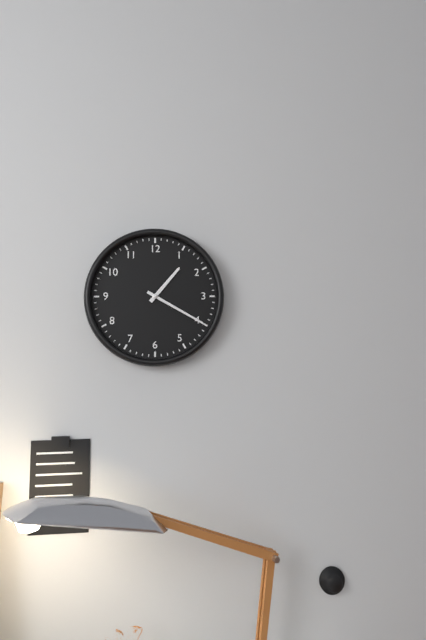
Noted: 1,20
